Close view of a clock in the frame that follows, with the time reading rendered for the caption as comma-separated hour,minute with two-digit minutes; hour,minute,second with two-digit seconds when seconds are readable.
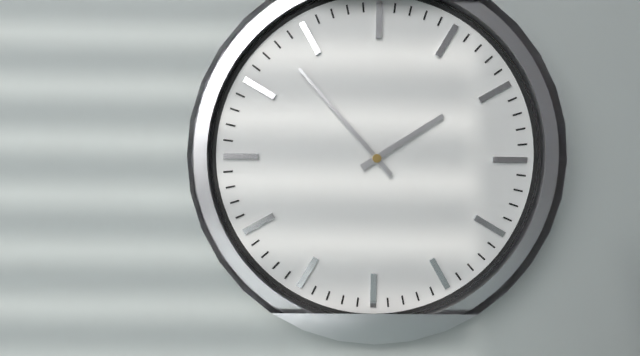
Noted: 1,53
